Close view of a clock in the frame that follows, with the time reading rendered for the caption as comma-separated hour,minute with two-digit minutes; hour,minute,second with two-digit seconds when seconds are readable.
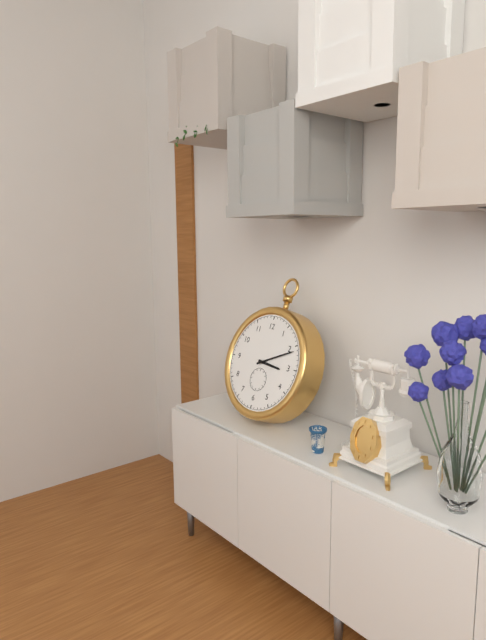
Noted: 3,11
